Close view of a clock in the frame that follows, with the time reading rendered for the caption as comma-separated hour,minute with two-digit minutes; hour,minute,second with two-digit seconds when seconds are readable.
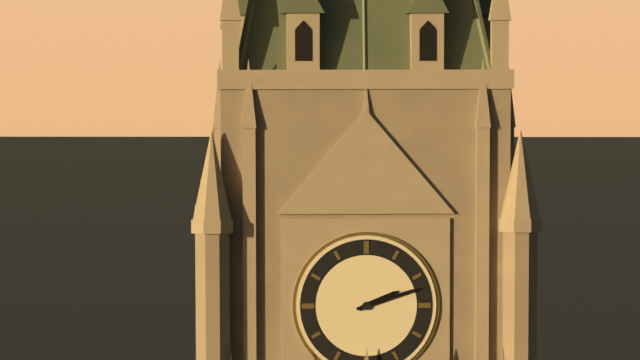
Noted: 2,12
